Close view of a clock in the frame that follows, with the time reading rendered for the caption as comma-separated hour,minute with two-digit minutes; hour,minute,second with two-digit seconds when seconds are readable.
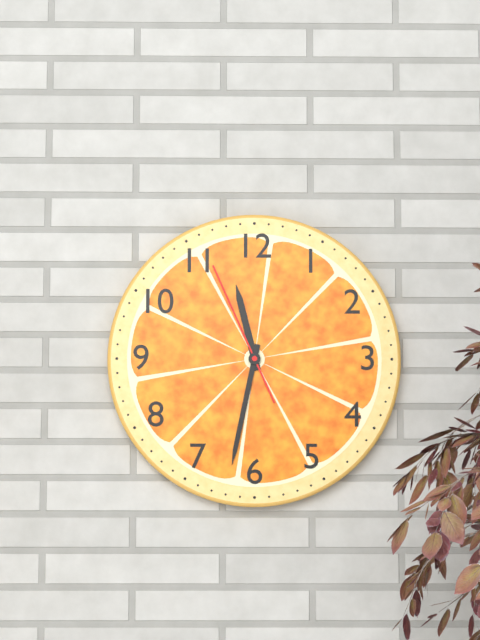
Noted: 11,32,56
